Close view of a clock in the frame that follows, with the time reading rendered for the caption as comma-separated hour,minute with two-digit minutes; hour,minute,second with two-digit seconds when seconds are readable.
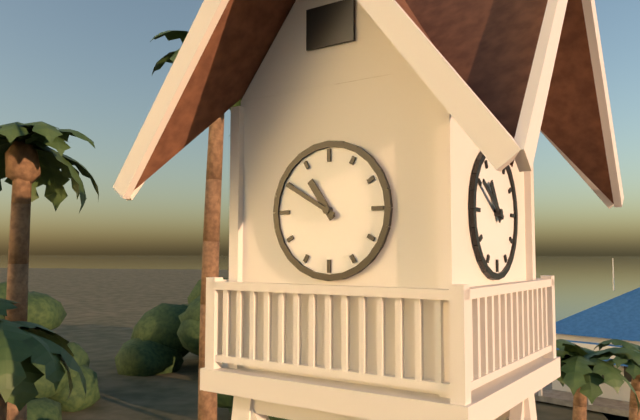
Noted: 10,50
